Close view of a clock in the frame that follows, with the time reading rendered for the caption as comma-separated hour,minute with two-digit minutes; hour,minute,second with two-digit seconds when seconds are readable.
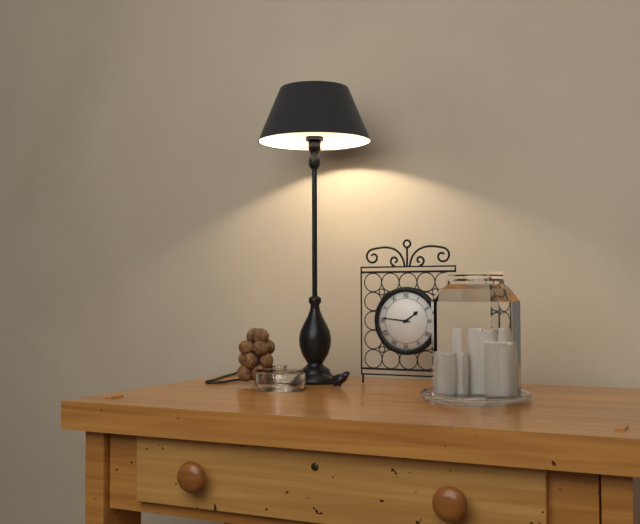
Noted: 1,46
